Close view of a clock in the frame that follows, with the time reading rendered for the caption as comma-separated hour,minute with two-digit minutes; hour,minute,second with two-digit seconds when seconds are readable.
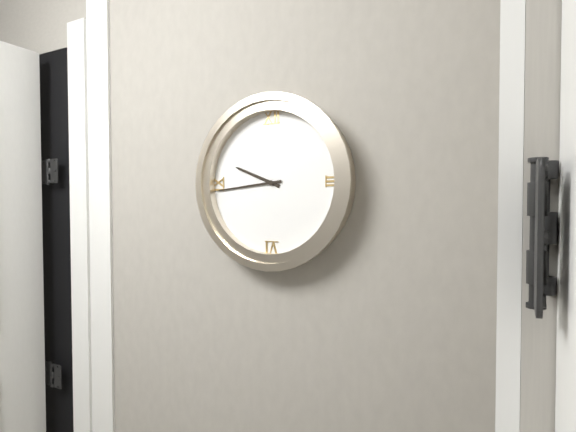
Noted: 9,44
